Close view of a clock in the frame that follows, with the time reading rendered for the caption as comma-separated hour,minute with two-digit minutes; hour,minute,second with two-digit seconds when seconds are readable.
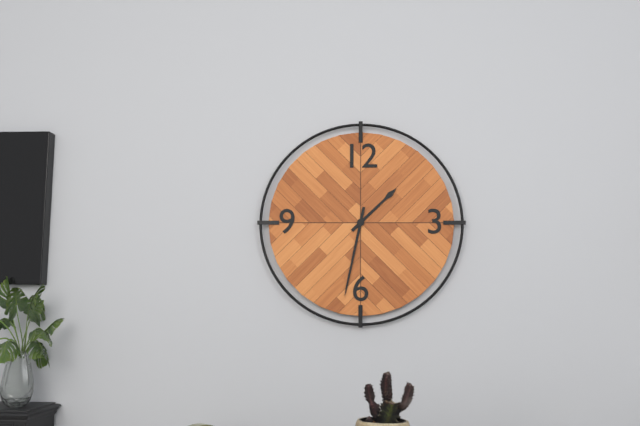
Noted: 1,32
